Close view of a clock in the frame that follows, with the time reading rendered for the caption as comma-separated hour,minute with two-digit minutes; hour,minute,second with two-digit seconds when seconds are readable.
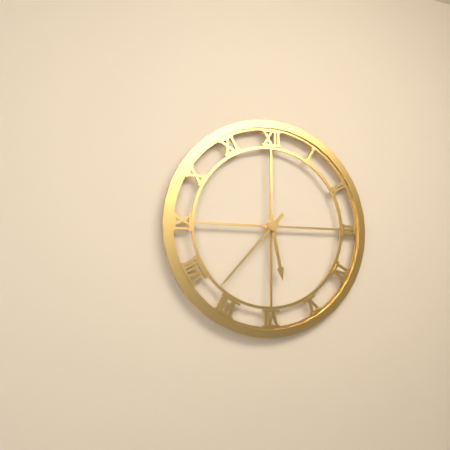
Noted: 5,37
